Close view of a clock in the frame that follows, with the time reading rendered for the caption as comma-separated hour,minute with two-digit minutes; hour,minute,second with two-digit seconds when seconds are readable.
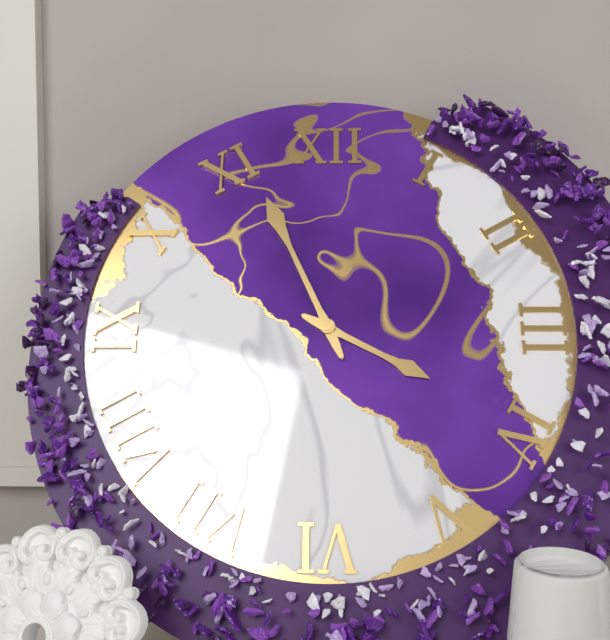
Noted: 3,56
